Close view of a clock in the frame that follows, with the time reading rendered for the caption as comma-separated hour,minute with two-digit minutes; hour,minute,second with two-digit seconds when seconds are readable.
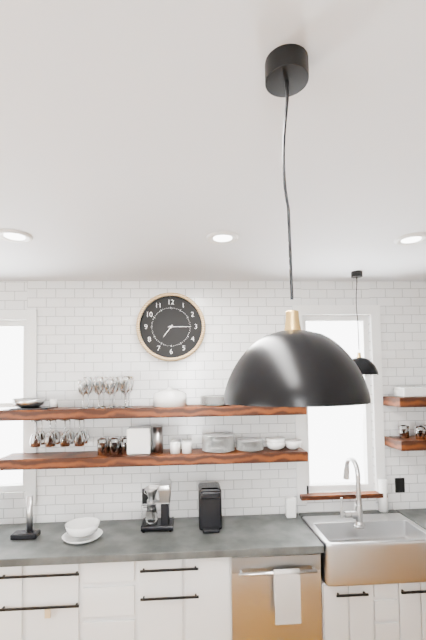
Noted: 7,15
